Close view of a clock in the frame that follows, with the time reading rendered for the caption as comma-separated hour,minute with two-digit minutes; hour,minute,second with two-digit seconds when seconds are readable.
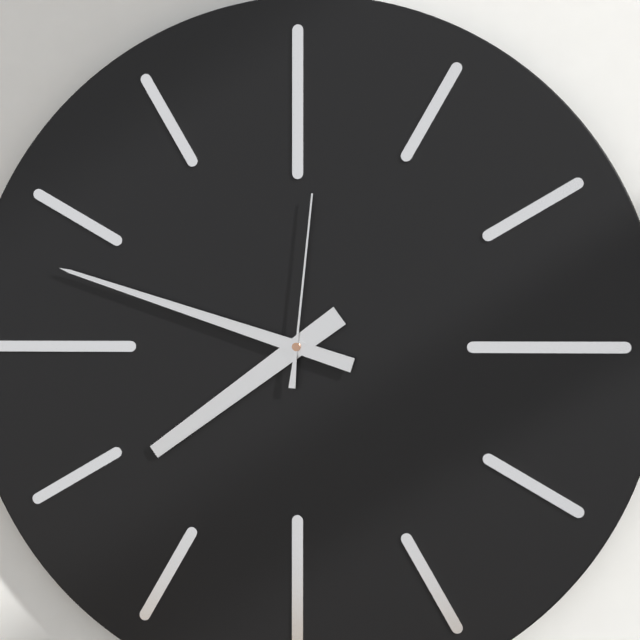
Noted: 7,48,01
